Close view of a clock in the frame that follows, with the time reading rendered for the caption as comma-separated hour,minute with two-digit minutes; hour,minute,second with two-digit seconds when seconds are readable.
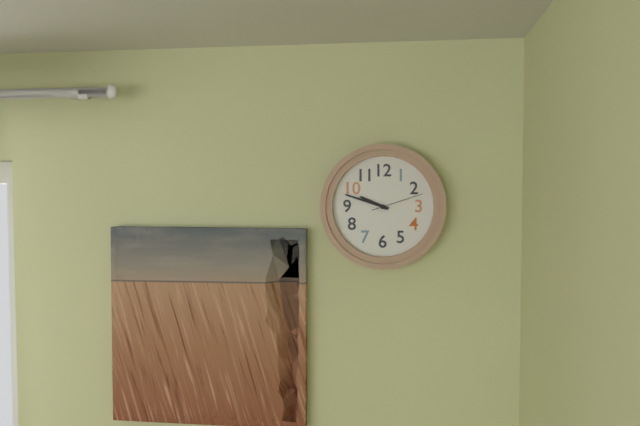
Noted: 9,48,12
